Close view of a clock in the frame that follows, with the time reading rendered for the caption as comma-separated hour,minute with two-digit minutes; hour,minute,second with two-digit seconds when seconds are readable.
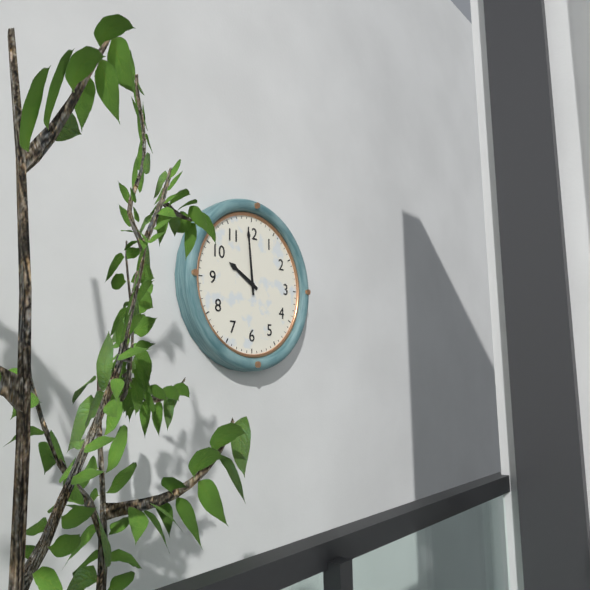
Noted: 9,59
